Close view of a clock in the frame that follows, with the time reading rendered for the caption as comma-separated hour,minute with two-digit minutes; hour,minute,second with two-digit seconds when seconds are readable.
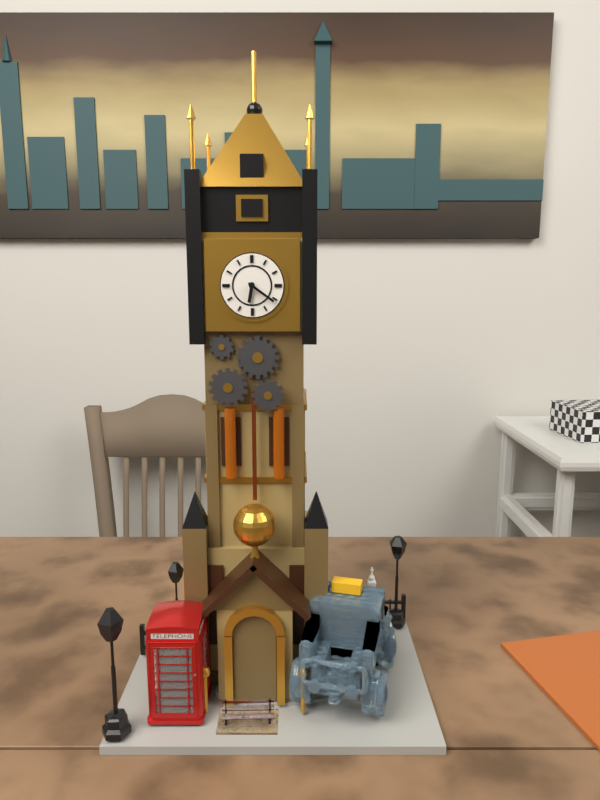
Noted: 6,21
